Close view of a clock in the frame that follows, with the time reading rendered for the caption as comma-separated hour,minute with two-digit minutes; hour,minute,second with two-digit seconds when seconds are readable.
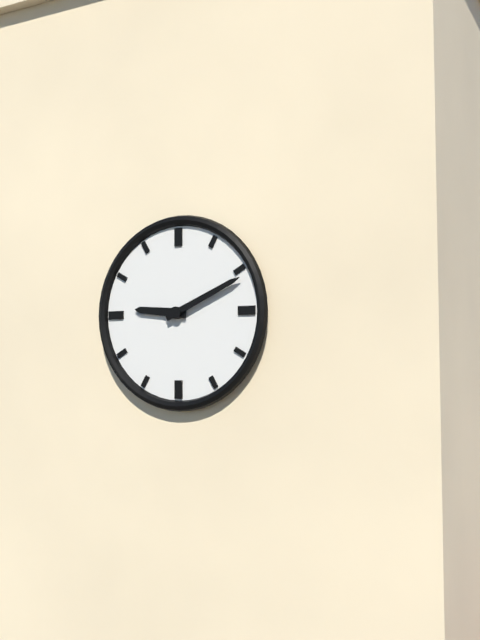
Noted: 9,11
